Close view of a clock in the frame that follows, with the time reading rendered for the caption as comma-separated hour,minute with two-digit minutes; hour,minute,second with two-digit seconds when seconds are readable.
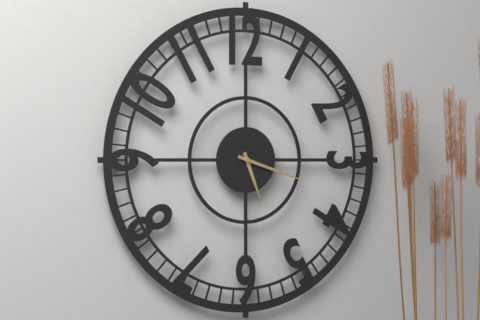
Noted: 5,18
